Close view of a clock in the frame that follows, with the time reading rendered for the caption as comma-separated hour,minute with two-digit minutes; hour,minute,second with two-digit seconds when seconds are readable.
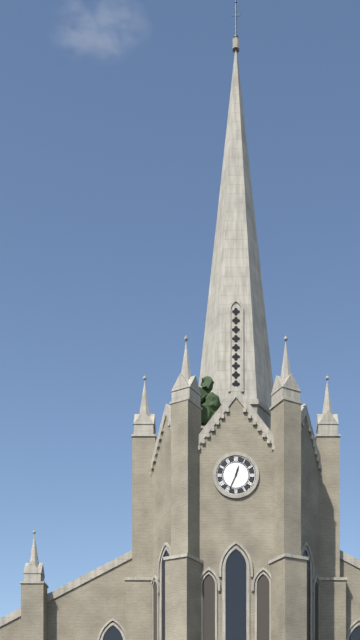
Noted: 12,34
